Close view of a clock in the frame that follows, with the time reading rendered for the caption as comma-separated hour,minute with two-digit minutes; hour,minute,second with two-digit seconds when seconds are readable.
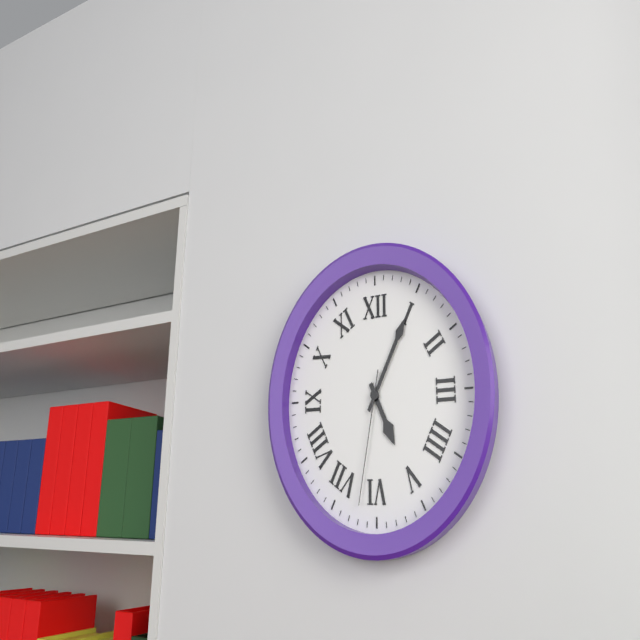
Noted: 5,05,32
